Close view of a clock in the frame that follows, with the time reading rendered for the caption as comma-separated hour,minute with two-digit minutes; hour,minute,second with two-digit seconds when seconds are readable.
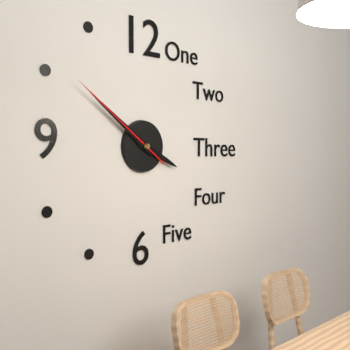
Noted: 3,51,51
